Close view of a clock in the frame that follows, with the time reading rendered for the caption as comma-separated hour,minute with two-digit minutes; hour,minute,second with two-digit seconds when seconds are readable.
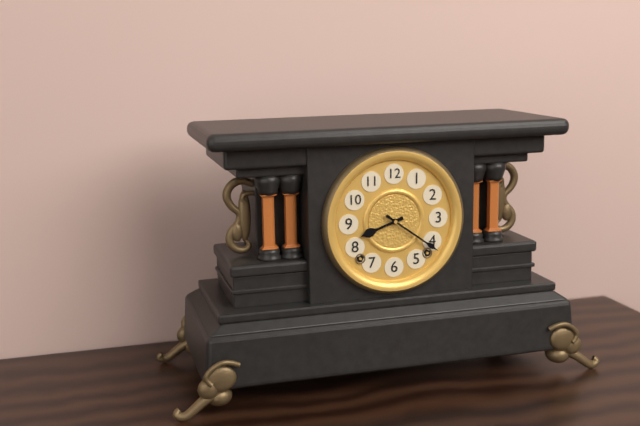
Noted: 8,21
